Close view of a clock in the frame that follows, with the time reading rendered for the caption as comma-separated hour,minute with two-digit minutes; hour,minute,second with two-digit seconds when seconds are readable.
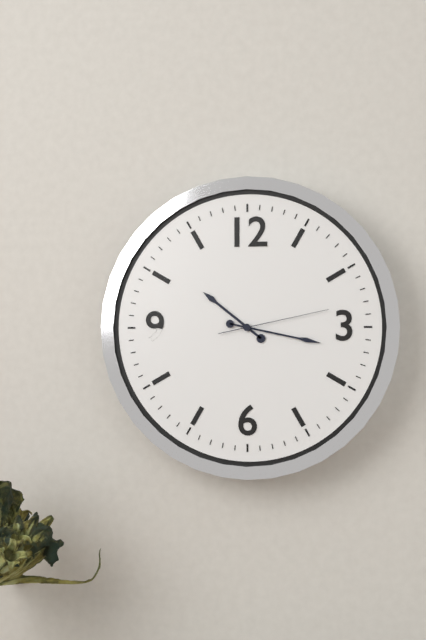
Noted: 10,17,13
